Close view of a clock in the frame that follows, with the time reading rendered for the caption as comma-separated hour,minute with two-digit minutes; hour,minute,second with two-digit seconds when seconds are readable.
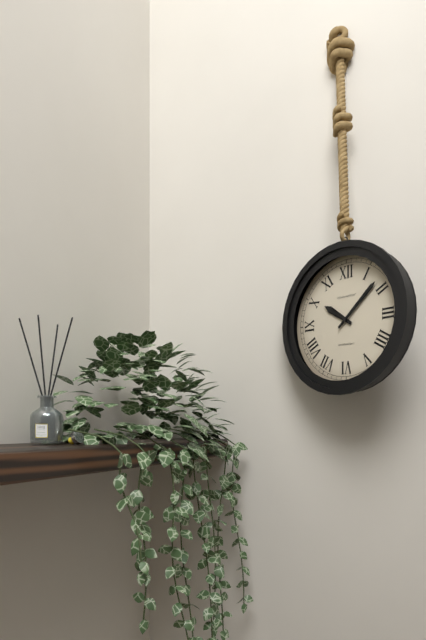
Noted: 10,08
